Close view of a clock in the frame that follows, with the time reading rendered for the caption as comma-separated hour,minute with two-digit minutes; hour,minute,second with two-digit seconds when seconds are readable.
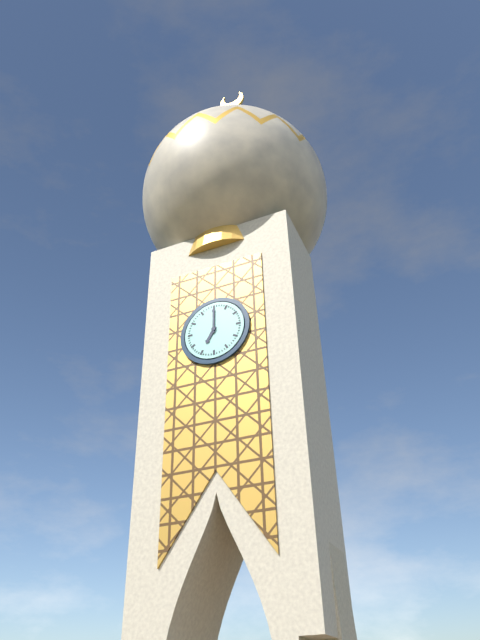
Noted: 7,00
